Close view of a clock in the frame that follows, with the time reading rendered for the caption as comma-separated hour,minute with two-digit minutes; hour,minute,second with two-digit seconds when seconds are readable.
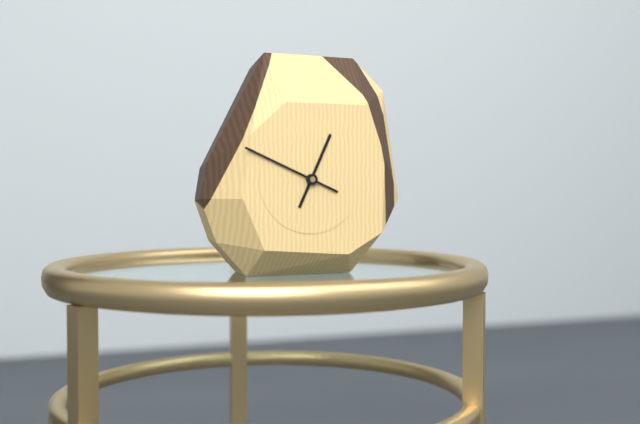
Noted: 12,49
